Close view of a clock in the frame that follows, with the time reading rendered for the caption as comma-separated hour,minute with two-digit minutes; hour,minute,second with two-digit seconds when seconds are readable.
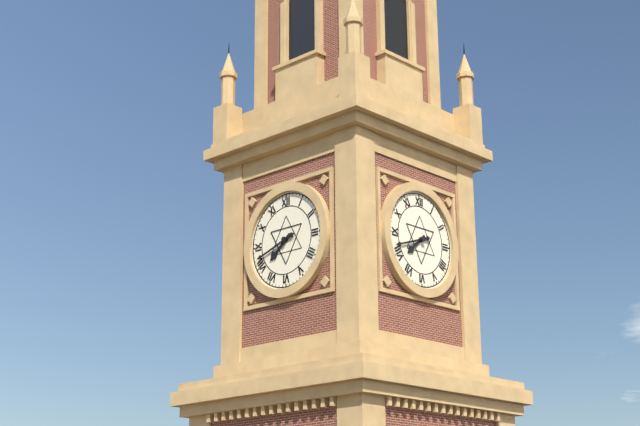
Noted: 7,42
